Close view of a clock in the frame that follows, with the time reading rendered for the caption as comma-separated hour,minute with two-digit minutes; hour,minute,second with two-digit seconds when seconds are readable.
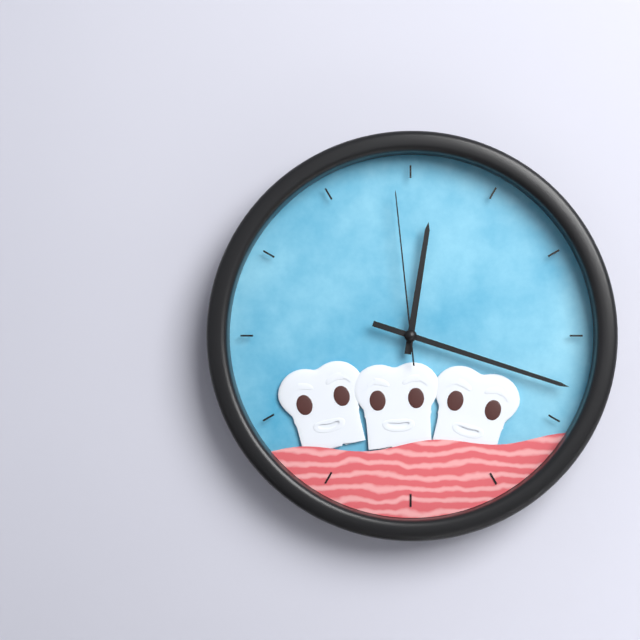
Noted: 12,18,59
